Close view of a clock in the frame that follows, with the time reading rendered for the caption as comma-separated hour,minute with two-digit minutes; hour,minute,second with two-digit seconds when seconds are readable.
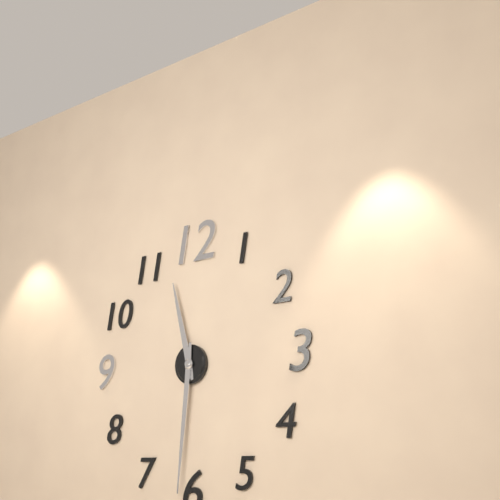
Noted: 11,31
